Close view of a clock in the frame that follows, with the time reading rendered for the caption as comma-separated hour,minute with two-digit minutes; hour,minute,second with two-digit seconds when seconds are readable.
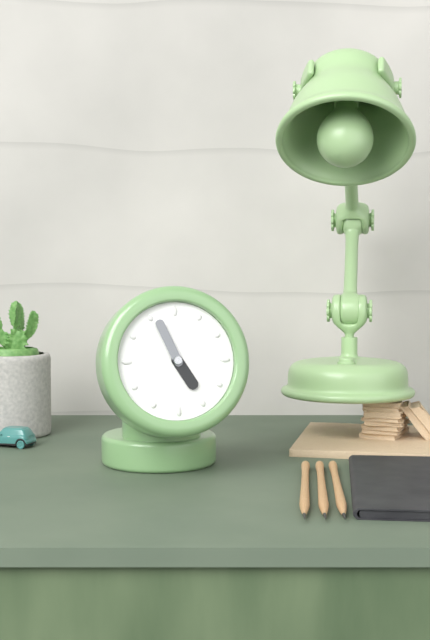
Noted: 4,56
